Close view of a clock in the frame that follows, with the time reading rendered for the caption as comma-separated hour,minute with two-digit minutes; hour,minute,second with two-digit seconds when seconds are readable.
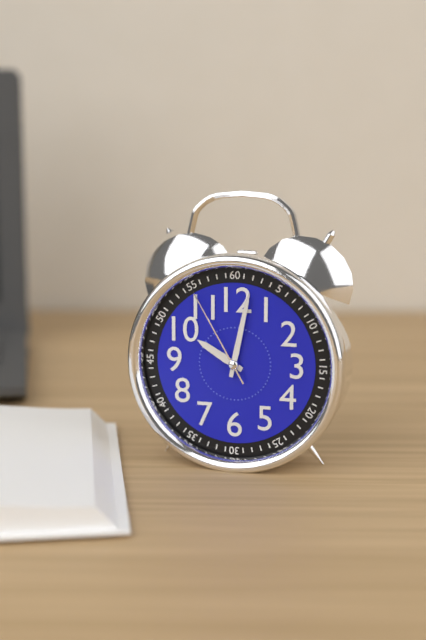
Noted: 10,02,55
